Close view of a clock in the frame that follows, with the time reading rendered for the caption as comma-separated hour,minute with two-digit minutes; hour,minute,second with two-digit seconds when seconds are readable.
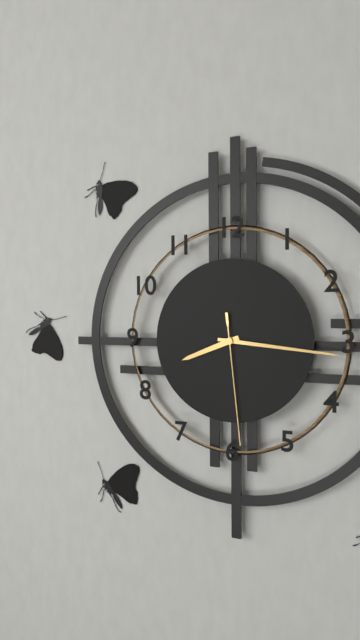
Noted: 8,16,29
